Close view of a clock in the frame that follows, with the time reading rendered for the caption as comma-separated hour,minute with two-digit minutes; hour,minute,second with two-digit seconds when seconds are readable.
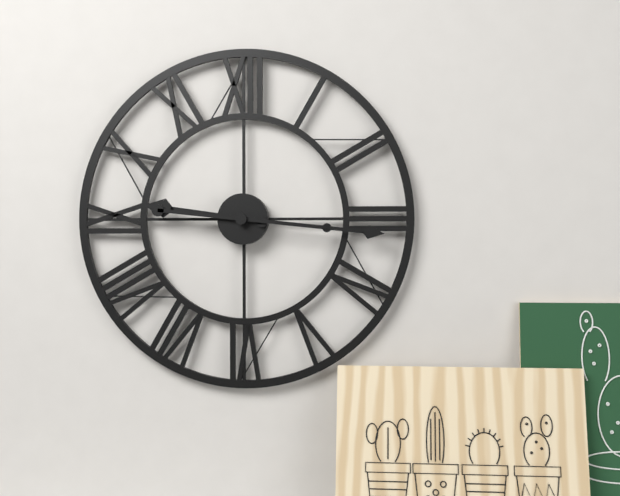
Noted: 9,16
